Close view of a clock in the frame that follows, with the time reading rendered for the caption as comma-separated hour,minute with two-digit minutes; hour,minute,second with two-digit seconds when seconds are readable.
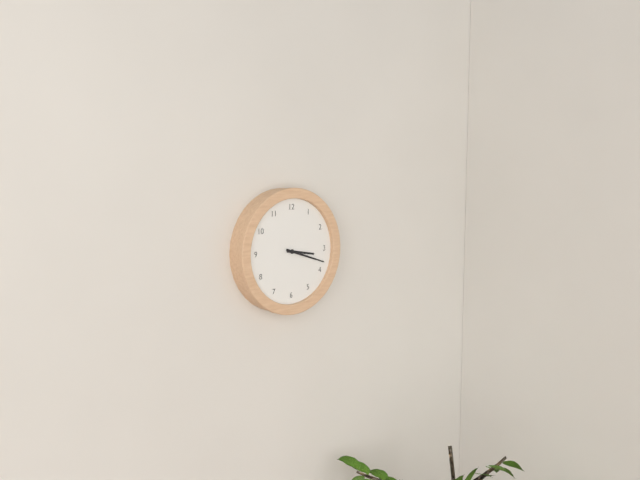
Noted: 3,18
